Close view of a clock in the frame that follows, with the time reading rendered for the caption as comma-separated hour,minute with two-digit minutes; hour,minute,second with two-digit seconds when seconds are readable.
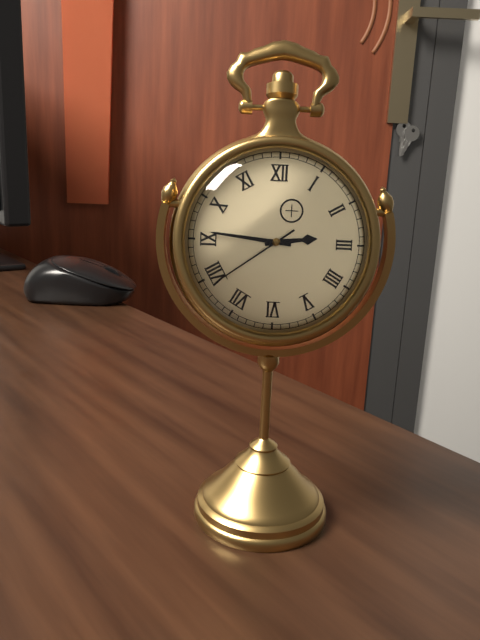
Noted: 2,46,39
